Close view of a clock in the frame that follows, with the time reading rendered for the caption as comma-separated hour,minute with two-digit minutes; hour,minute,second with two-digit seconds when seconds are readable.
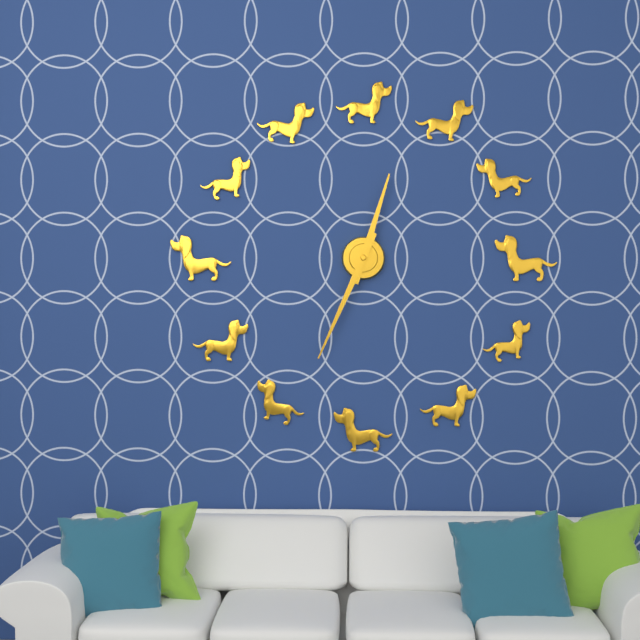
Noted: 12,34
